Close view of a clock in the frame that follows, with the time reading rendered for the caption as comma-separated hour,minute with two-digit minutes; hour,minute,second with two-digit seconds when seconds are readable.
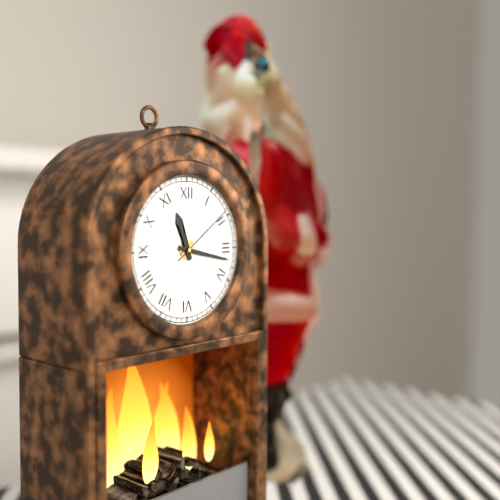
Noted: 11,17,09
